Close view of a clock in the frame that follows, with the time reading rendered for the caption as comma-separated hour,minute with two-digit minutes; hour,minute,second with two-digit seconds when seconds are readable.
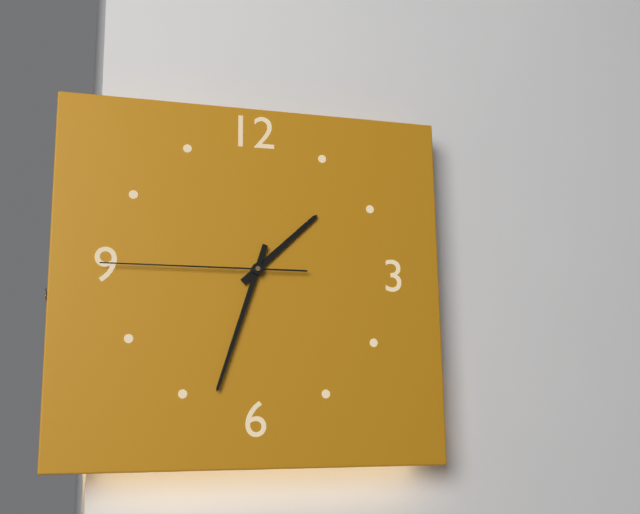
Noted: 1,33,45
